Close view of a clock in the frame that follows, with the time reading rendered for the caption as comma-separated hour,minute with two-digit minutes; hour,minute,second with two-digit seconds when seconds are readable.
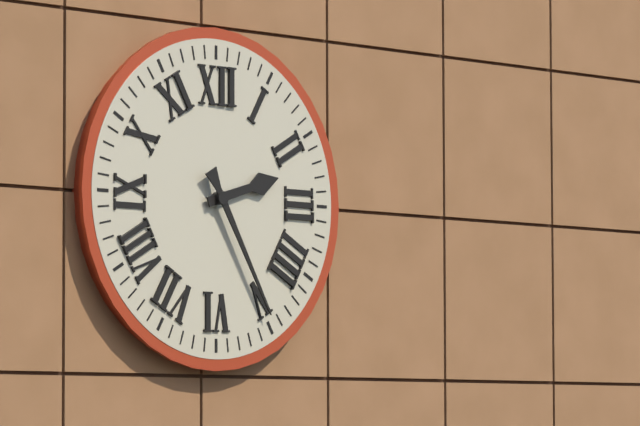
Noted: 2,25
